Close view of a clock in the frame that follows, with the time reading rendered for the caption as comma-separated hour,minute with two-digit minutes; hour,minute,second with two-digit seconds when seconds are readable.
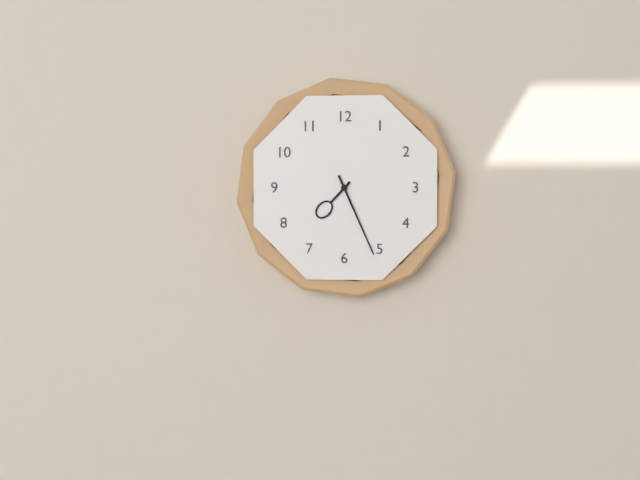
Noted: 7,26
